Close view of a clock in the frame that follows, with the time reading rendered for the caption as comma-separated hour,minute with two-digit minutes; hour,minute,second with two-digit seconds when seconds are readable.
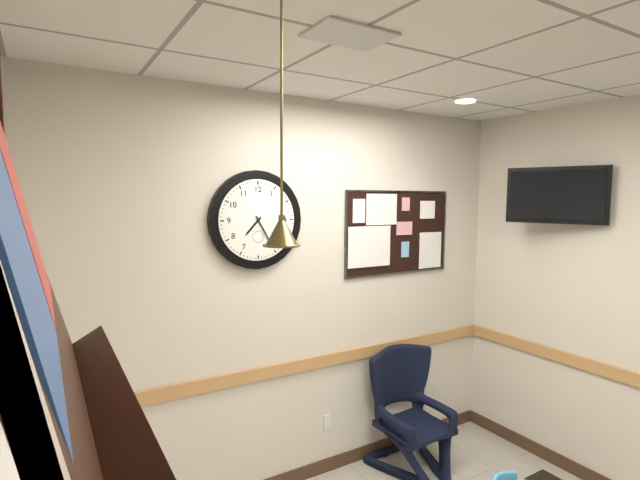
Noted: 7,25
